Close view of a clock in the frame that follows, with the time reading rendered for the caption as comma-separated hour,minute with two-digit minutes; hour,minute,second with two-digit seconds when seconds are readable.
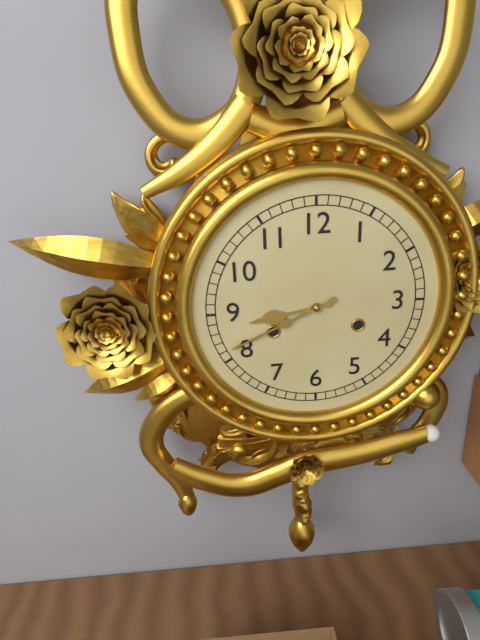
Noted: 8,41
